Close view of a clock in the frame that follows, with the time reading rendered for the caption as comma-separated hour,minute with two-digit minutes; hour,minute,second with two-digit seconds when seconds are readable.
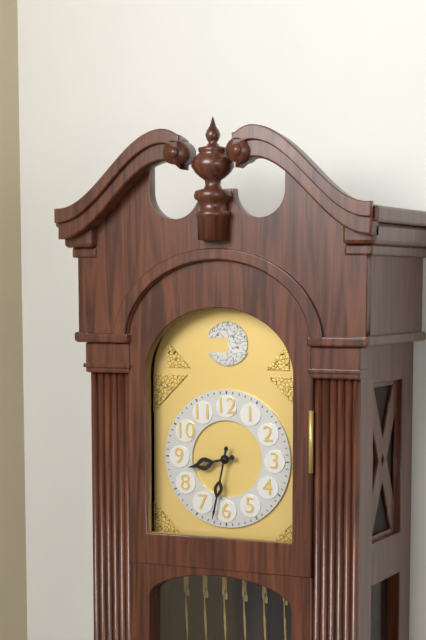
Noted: 8,32
